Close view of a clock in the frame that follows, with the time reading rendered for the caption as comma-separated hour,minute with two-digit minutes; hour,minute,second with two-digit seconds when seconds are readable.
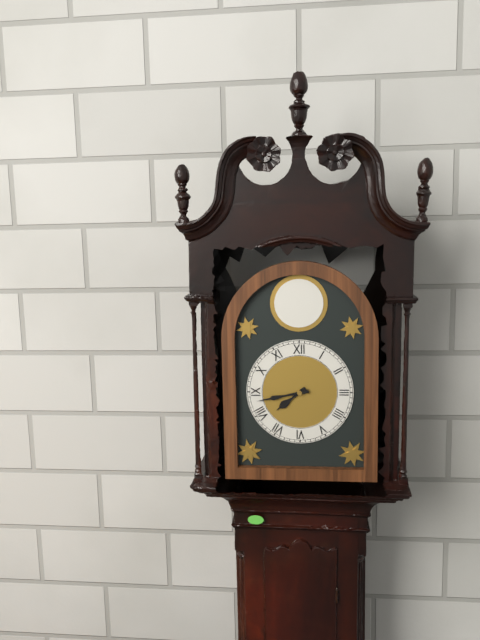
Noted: 7,43
